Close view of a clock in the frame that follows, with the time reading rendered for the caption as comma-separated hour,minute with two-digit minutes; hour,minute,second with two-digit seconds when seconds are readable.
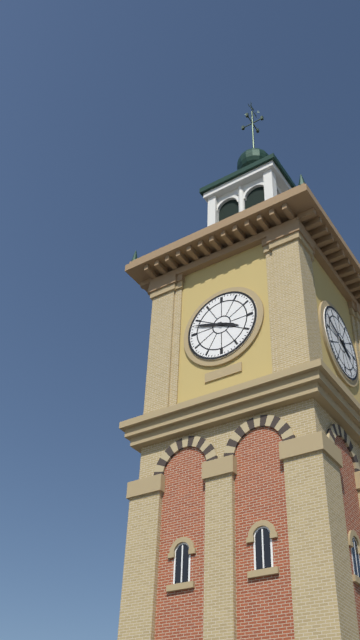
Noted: 3,48
